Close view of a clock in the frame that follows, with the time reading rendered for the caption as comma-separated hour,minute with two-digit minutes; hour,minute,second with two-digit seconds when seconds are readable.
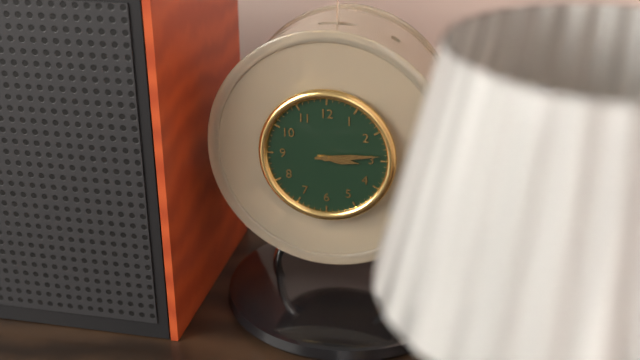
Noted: 3,14
